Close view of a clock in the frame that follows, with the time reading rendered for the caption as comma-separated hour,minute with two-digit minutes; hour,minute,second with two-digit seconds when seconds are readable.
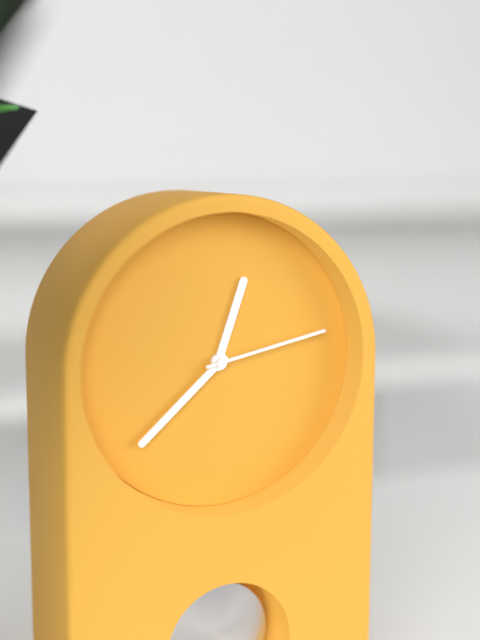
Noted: 12,38,13
